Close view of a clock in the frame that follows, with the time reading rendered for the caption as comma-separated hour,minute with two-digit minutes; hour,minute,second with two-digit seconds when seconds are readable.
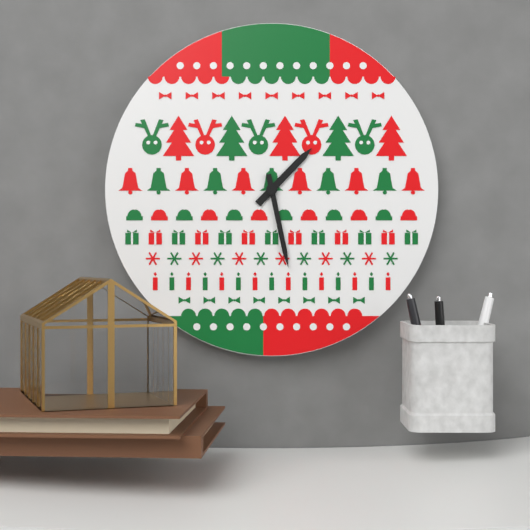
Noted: 1,28
